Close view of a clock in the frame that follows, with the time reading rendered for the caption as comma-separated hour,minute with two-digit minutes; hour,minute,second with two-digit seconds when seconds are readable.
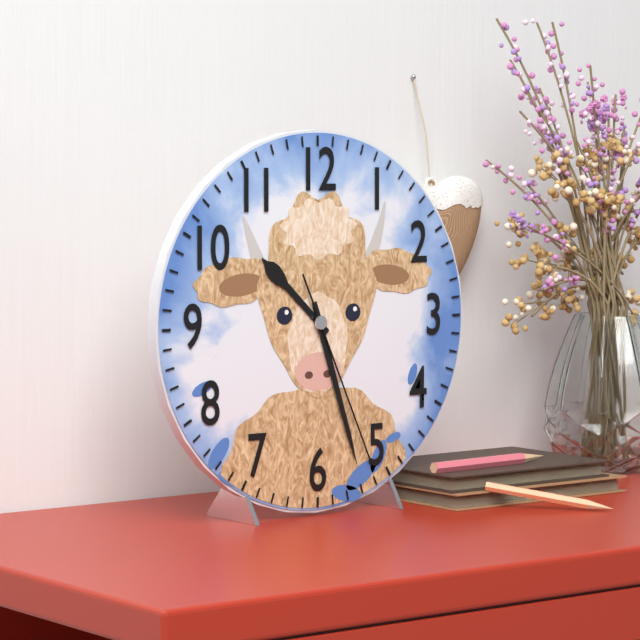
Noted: 10,27,26
